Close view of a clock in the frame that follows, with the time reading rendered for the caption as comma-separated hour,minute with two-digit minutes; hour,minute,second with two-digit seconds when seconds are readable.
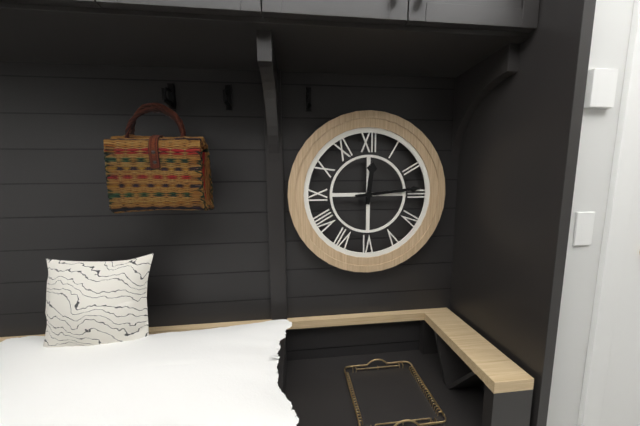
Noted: 12,14
